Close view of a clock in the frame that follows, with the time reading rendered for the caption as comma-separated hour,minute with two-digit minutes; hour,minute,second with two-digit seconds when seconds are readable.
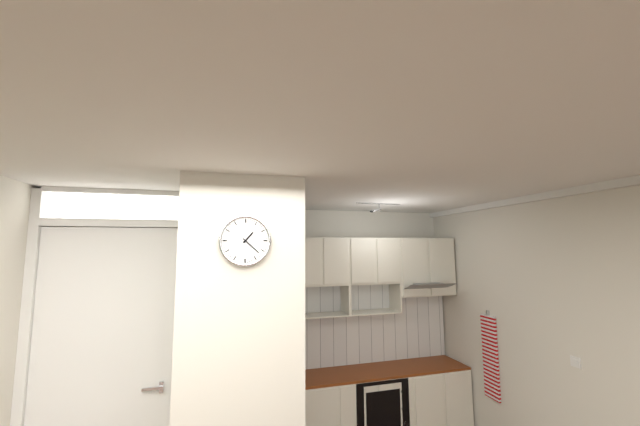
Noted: 1,22
